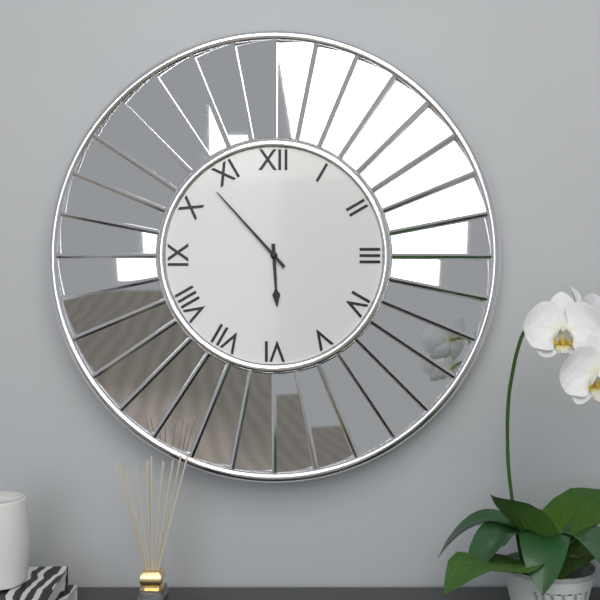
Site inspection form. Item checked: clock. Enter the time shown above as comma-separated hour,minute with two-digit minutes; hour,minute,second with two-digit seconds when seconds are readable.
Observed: 5,53
